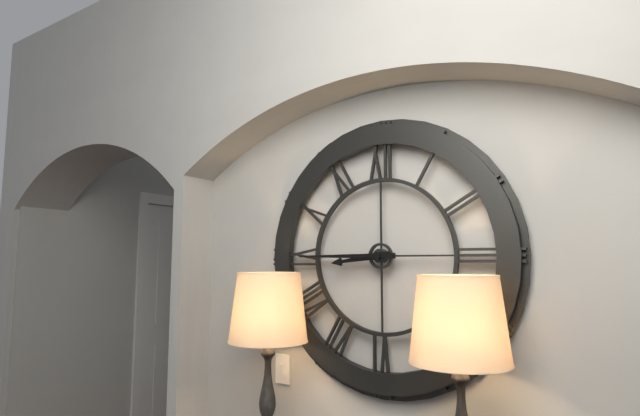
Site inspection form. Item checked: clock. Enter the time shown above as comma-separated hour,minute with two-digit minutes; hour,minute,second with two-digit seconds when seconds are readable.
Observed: 8,45
